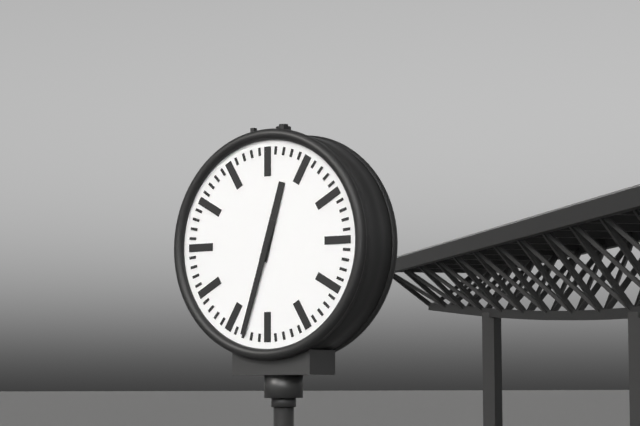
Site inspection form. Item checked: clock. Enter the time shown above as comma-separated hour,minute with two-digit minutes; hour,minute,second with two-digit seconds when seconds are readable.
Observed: 12,33
